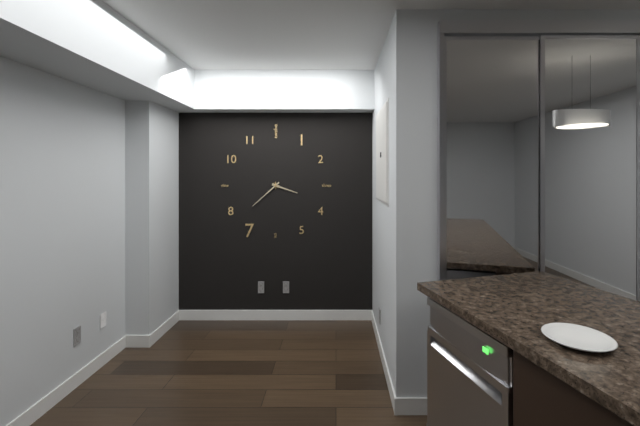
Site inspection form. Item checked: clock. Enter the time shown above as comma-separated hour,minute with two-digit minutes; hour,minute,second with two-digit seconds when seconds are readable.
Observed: 3,38
